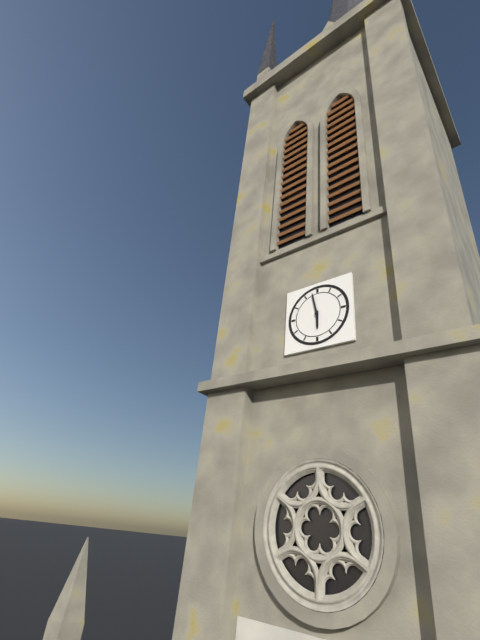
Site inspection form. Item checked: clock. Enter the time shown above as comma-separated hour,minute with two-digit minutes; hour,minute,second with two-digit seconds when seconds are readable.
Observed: 5,58
